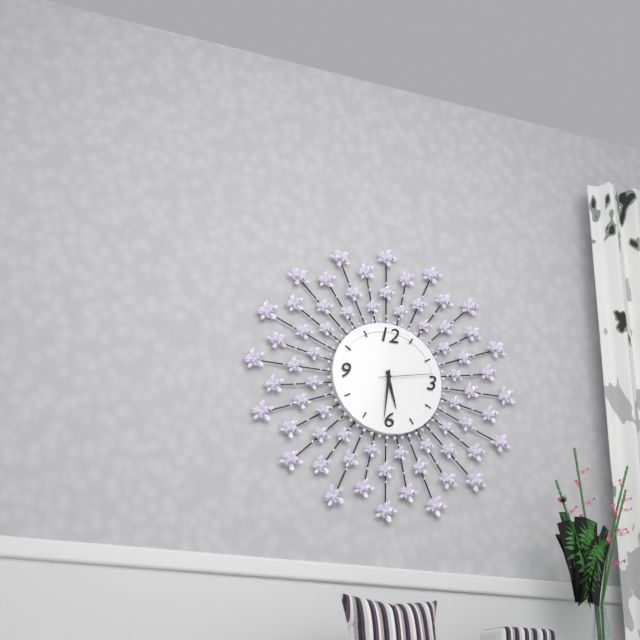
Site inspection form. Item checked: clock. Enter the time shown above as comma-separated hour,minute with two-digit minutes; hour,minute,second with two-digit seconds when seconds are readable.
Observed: 5,31,13
